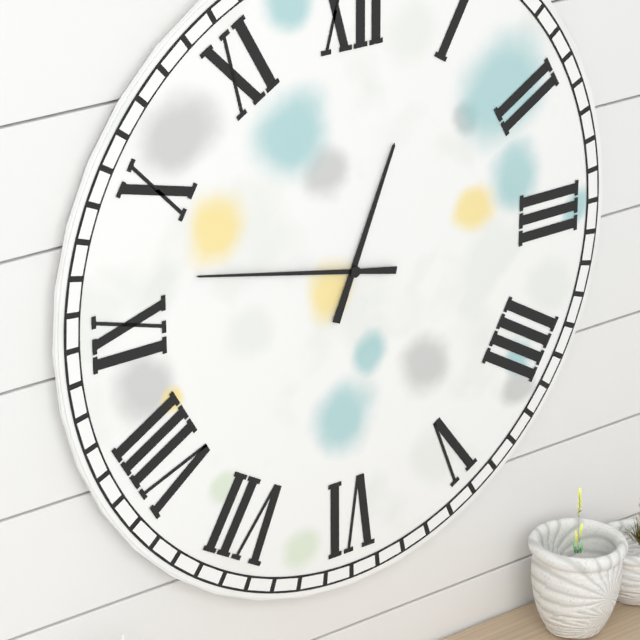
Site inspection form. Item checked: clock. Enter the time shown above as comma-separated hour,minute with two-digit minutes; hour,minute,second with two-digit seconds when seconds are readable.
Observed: 12,47
